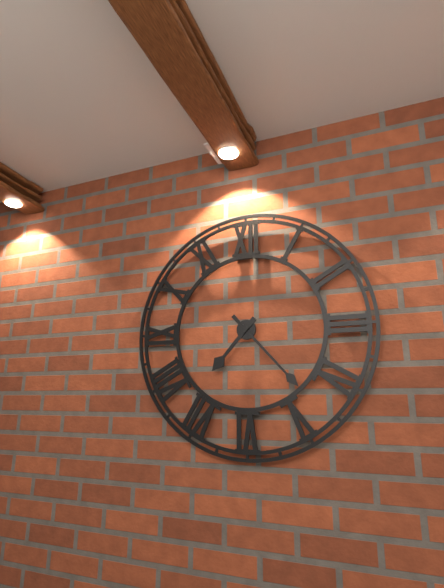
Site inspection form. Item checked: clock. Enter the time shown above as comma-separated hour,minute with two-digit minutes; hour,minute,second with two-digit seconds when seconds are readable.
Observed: 7,23
